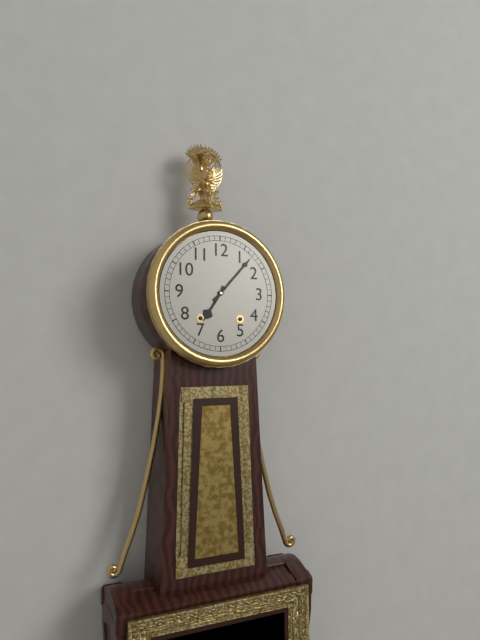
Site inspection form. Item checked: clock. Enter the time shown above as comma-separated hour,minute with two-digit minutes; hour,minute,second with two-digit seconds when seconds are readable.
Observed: 7,07
